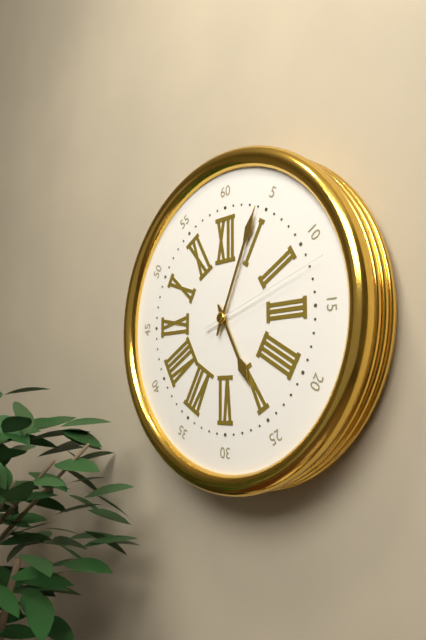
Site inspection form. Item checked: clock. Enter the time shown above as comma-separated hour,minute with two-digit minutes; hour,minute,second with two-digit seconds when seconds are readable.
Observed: 5,04,12
